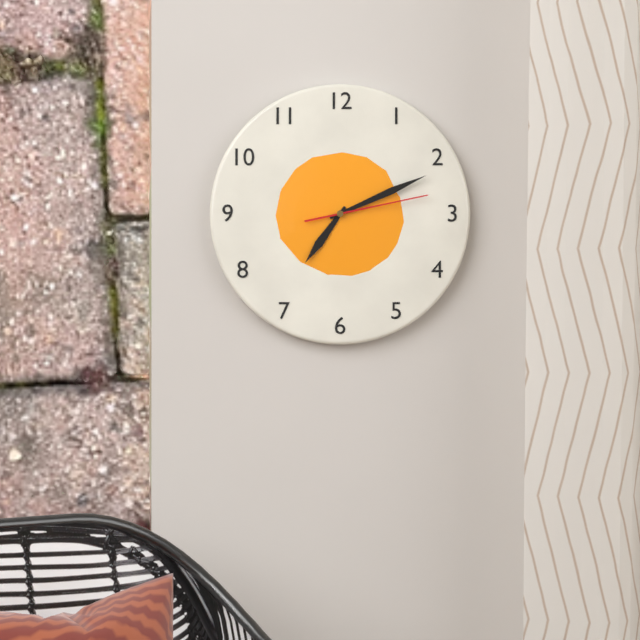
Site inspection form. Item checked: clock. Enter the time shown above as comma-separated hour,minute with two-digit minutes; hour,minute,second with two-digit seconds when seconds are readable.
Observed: 7,11,13
